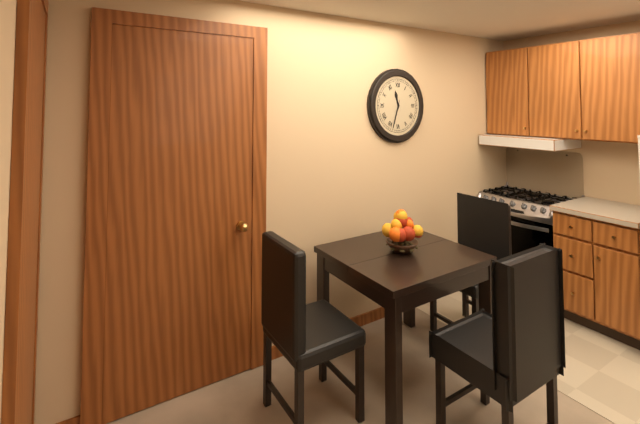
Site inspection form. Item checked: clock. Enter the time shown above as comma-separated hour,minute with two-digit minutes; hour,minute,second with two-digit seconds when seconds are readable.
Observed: 11,33
